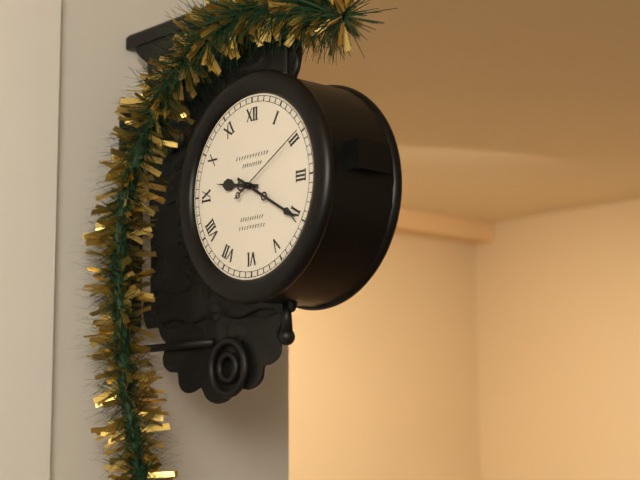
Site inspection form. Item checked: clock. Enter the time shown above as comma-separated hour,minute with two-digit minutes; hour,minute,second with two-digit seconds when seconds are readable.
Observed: 9,20,10
